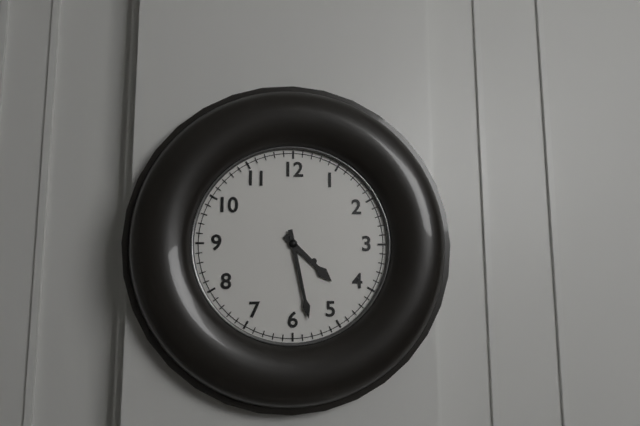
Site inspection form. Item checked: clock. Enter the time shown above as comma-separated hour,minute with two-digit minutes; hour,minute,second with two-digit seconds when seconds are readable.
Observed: 4,28
